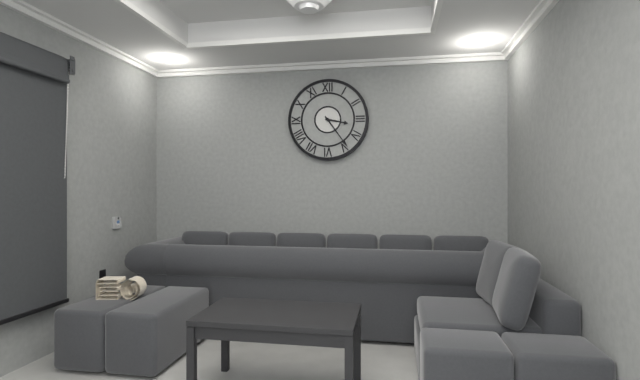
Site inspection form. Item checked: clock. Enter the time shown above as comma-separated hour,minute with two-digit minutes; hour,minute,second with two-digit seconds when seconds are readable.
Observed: 3,24
